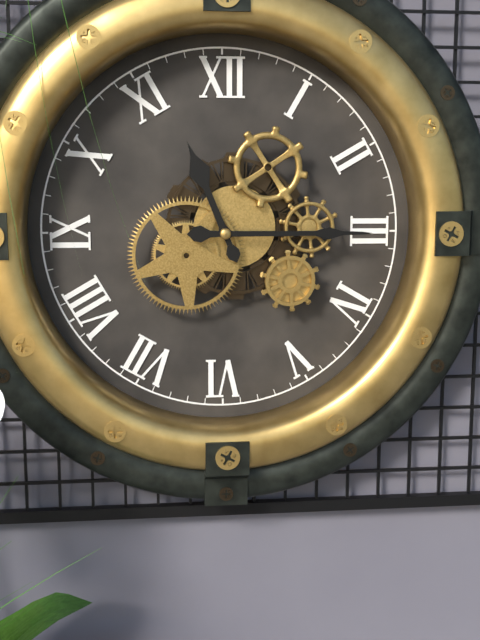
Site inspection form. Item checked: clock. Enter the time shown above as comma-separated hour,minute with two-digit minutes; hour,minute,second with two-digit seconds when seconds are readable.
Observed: 11,15
